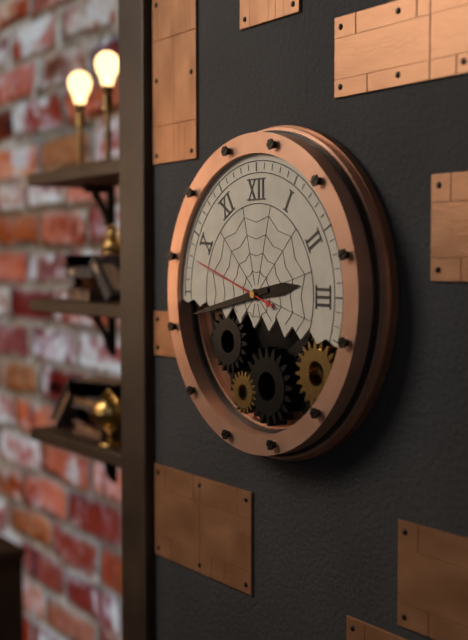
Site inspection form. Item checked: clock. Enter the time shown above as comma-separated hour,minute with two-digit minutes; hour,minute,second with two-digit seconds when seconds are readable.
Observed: 2,43,48
